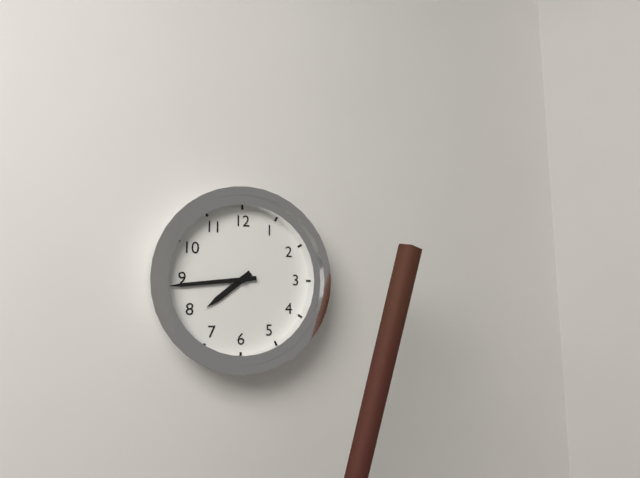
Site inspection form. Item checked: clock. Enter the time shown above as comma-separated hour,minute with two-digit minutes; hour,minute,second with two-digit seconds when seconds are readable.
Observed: 7,44
